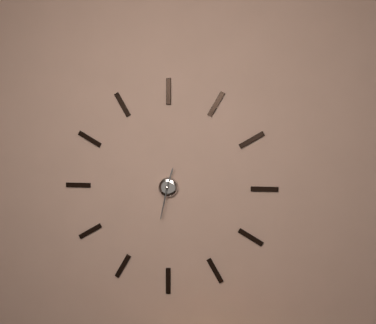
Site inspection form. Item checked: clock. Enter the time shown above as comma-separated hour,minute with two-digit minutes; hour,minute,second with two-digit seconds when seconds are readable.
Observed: 12,32
